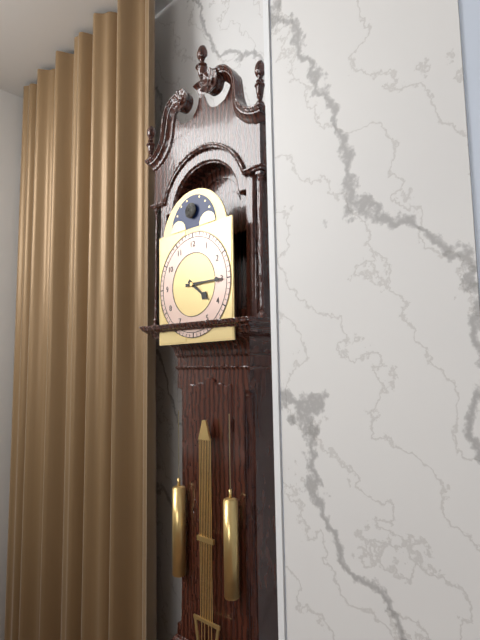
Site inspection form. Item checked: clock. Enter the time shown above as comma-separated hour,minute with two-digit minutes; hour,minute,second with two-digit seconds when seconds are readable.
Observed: 4,15
